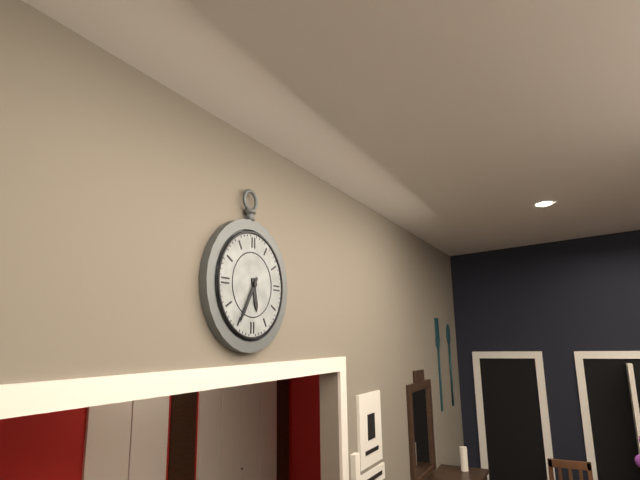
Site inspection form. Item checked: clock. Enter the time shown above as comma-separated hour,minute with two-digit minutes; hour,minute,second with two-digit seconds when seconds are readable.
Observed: 5,35
